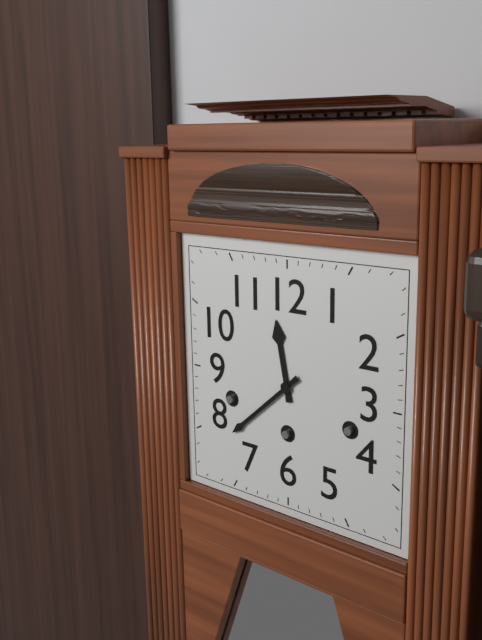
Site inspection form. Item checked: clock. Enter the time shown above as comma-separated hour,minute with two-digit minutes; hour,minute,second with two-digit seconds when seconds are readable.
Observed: 11,38
